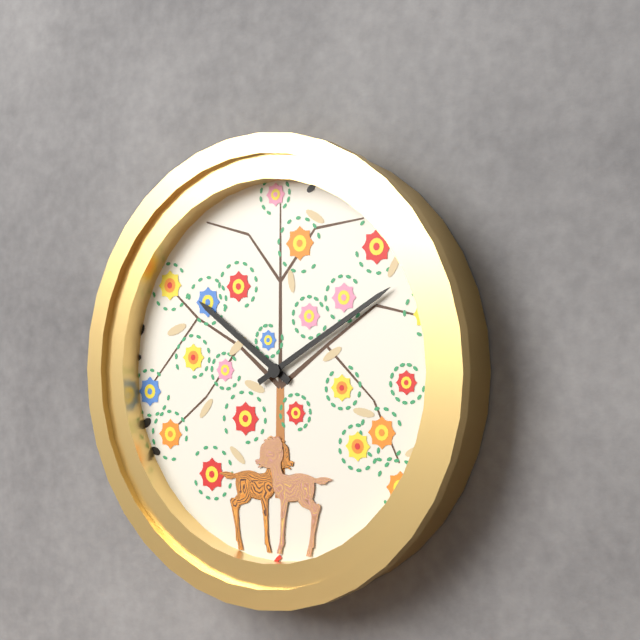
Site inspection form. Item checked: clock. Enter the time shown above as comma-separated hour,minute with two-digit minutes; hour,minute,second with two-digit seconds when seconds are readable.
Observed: 10,10
